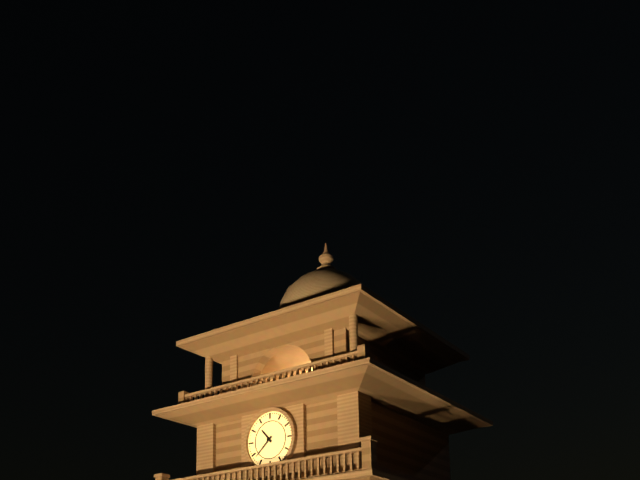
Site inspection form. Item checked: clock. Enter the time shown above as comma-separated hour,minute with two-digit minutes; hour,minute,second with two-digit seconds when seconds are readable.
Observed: 10,38
